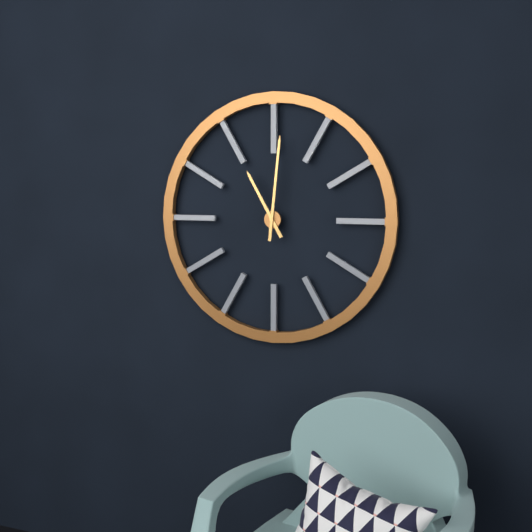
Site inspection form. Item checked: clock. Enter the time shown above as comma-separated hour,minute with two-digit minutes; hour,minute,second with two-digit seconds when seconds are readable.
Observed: 11,01
